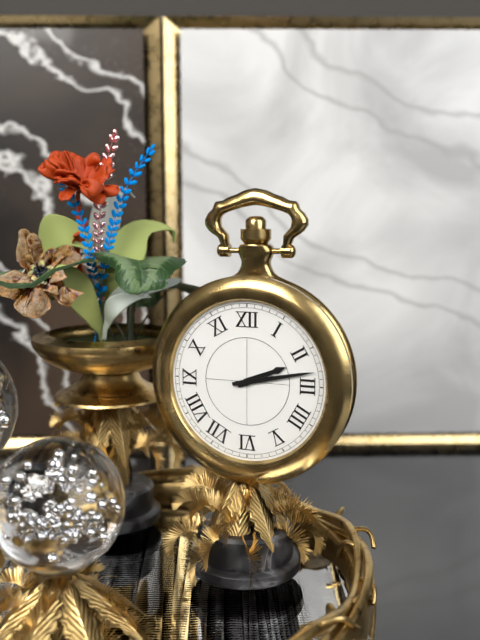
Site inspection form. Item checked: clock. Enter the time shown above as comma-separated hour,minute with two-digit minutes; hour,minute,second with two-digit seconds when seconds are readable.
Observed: 2,13
